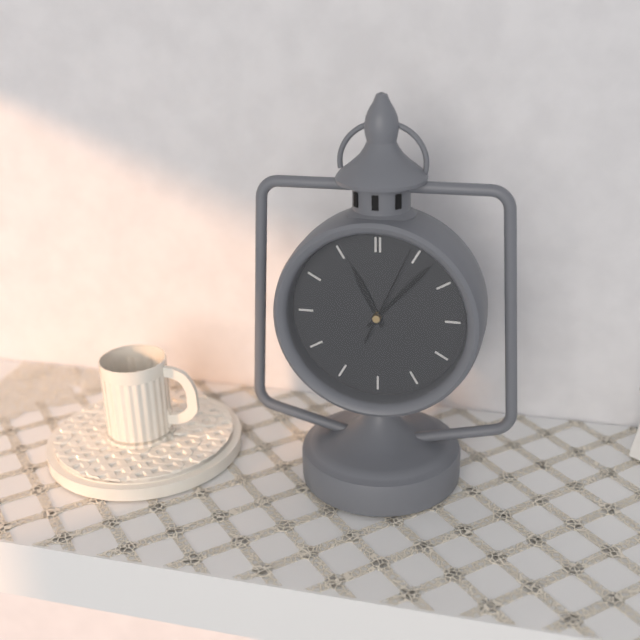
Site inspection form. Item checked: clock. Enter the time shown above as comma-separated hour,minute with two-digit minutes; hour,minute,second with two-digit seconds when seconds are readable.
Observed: 11,07,04
